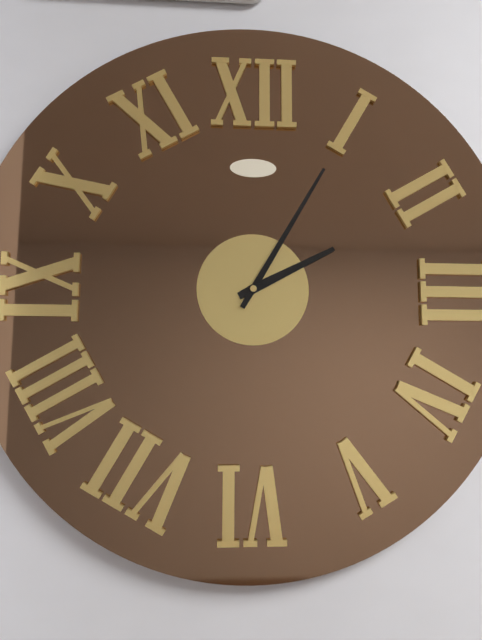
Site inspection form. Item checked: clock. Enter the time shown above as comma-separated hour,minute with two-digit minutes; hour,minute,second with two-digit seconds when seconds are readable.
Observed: 2,05
